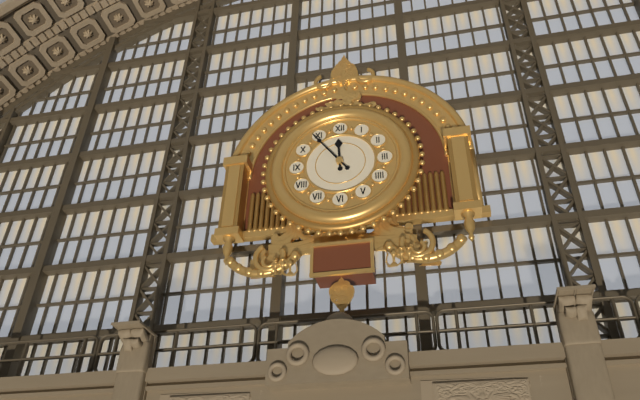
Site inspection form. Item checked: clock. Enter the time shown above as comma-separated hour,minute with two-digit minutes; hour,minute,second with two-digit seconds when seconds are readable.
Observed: 11,54
